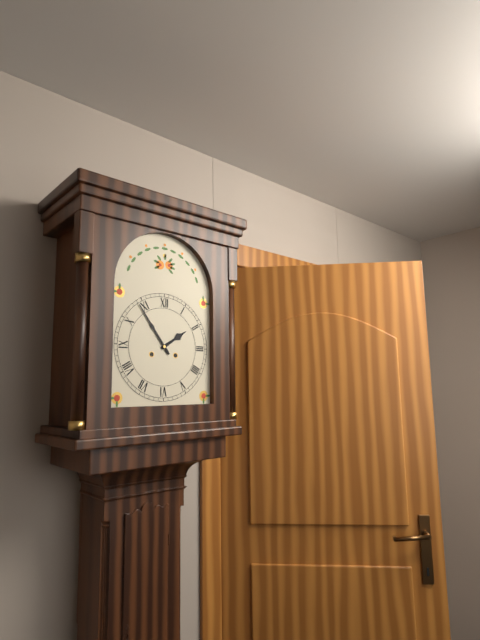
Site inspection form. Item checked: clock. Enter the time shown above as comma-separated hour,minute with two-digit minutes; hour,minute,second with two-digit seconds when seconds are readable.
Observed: 1,54
